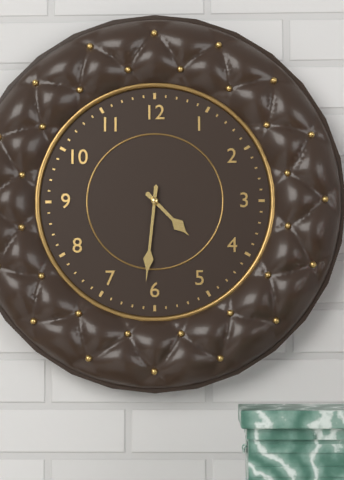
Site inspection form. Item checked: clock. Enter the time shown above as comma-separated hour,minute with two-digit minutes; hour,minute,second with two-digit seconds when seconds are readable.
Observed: 4,31
